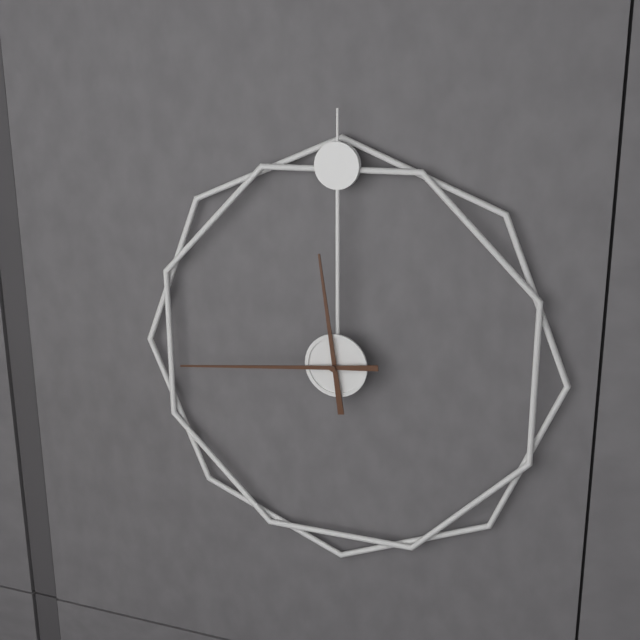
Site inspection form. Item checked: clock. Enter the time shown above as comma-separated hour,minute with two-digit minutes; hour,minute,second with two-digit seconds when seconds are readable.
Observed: 11,44
